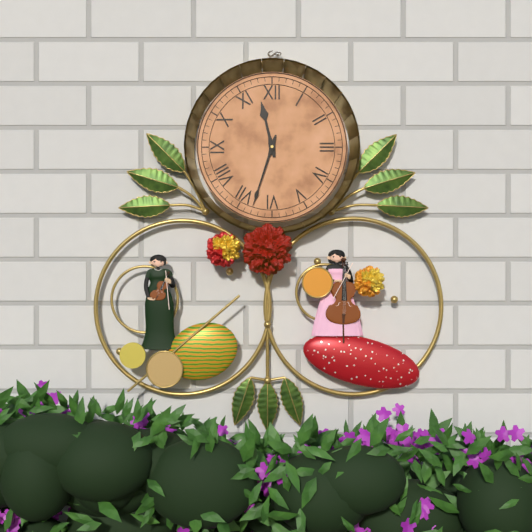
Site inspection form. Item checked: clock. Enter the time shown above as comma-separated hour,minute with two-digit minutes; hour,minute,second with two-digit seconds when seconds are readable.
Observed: 11,33
